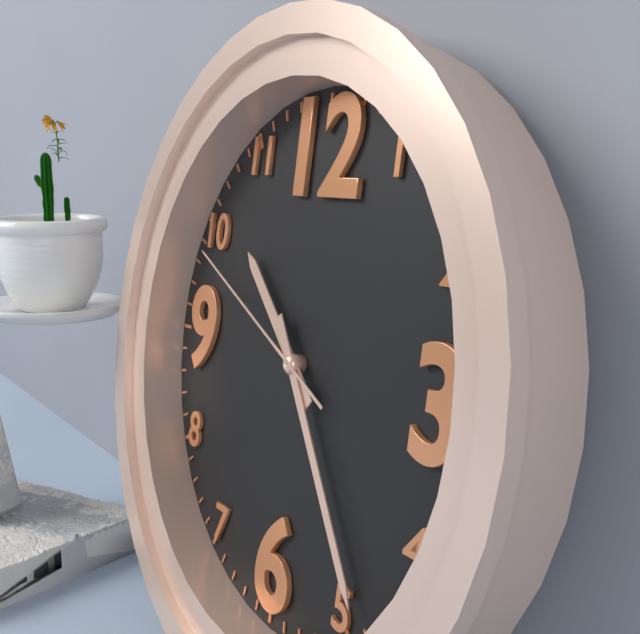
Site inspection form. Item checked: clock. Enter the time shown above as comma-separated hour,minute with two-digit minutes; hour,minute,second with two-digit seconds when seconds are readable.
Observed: 10,24,49
